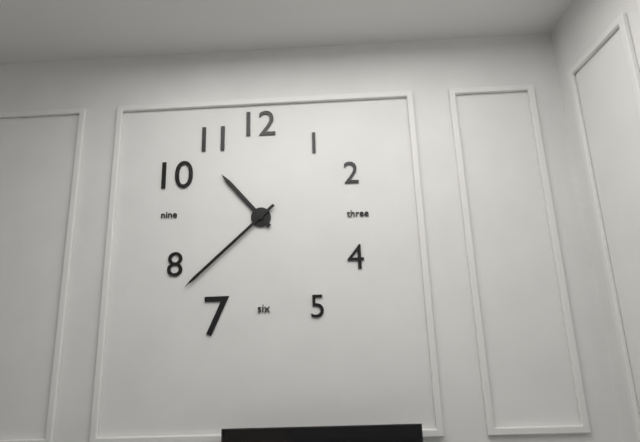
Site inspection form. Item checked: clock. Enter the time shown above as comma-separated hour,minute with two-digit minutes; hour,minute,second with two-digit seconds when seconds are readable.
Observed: 10,38
